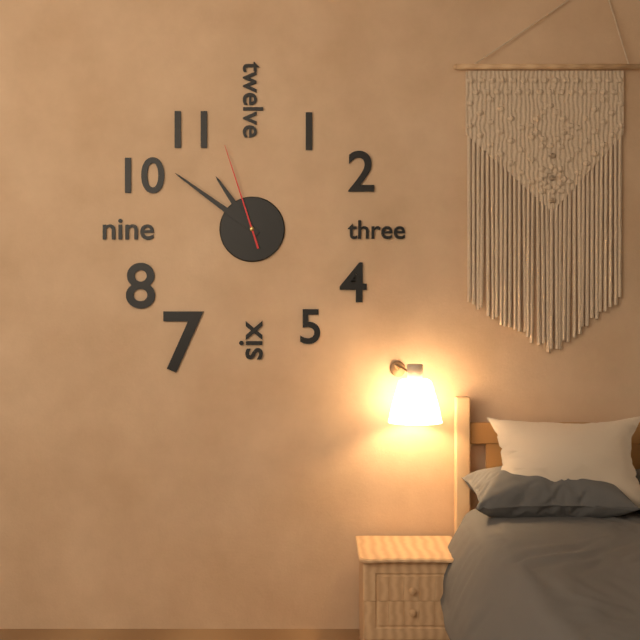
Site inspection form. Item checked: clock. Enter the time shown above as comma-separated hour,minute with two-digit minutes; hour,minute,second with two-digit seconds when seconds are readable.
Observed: 10,51,57
